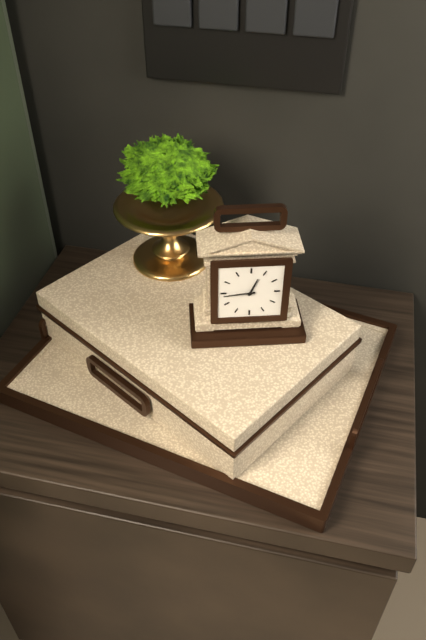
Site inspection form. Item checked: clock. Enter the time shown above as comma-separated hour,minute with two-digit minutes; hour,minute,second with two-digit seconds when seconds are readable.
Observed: 12,44
